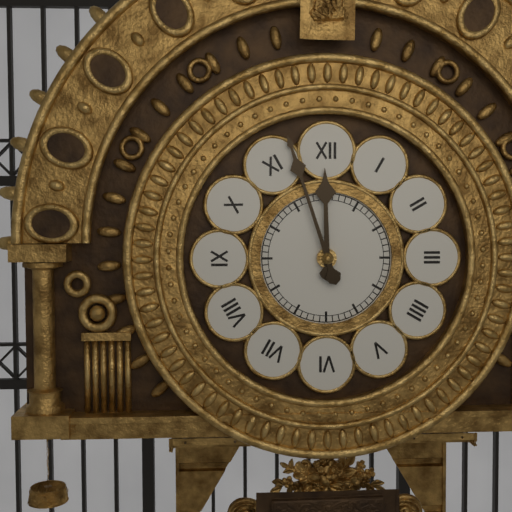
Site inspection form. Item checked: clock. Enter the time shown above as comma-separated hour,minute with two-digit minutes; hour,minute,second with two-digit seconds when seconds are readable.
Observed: 11,57
